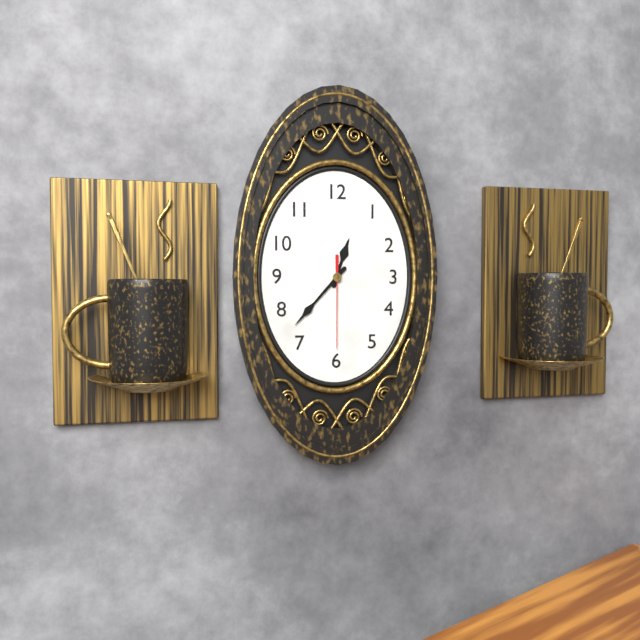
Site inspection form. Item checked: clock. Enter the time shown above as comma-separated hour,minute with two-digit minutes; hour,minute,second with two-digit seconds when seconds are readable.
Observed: 12,37,30
